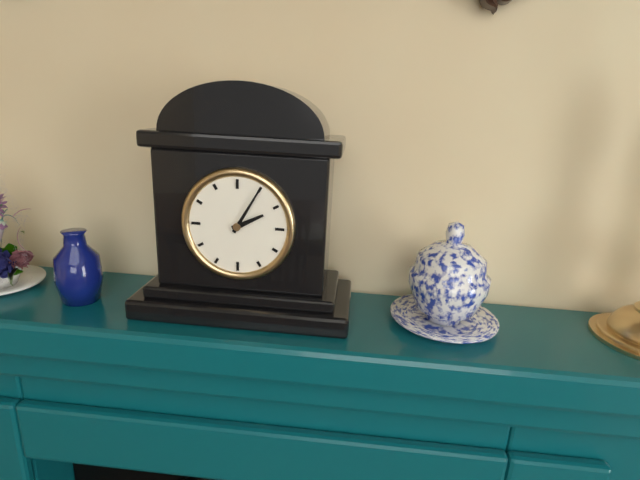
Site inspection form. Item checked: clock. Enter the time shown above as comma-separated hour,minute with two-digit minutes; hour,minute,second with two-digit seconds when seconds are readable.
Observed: 2,05
